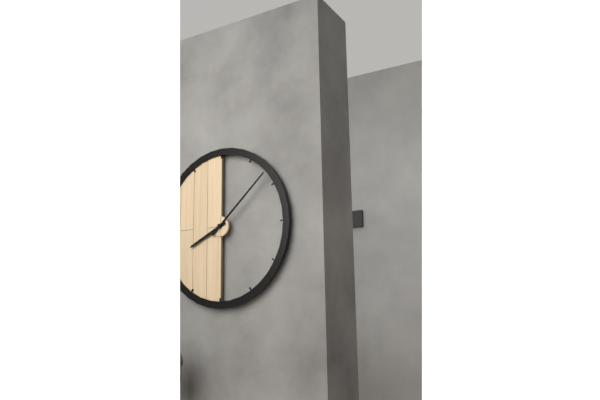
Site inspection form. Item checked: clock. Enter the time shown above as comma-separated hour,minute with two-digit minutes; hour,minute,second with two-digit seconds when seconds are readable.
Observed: 8,08
